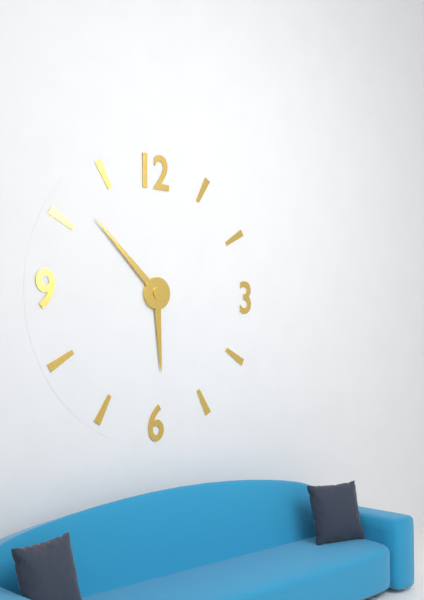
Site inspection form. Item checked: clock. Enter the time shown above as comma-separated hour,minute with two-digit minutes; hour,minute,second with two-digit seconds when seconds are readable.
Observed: 5,52
